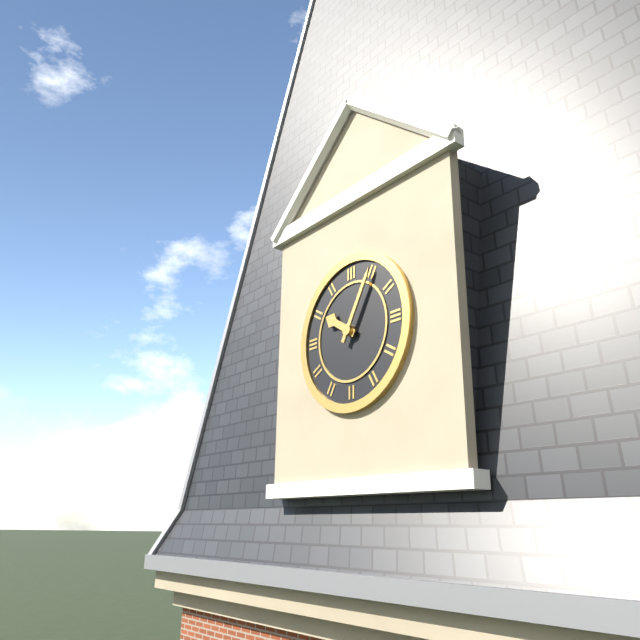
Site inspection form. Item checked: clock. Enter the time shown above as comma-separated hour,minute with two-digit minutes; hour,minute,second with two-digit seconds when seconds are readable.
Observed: 10,05
